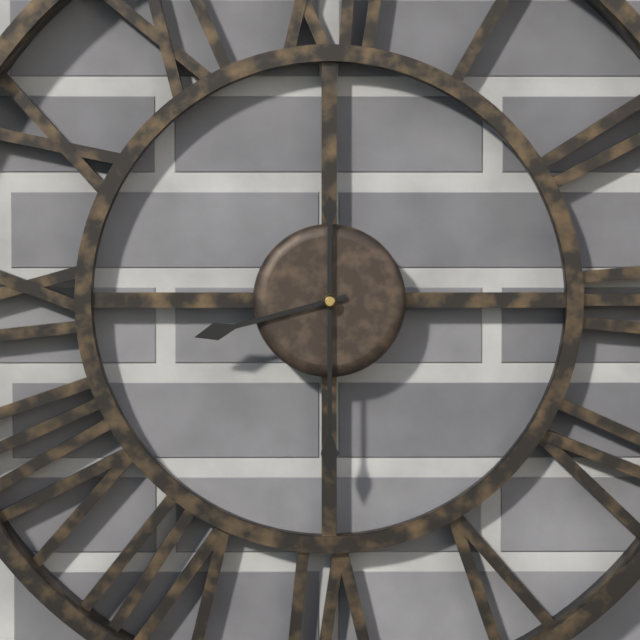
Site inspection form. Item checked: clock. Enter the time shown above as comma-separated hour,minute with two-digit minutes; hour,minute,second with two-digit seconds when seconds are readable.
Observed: 8,30
